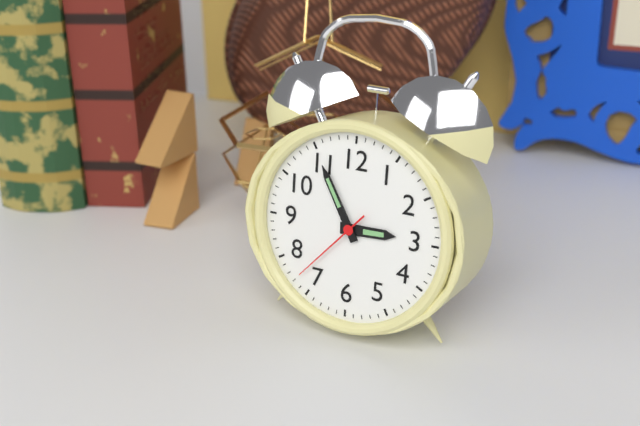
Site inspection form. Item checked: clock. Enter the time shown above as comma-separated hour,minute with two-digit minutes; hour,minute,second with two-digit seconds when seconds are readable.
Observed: 2,55,37
